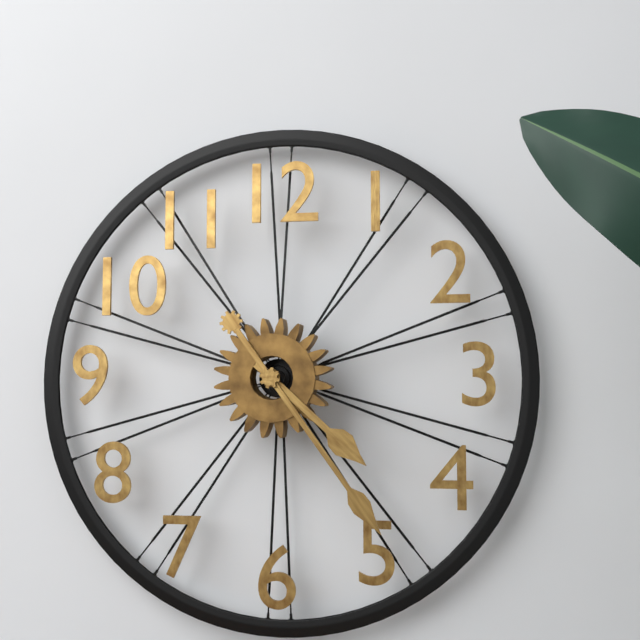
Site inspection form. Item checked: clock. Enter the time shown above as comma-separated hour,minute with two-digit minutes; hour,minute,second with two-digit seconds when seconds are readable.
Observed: 4,24
